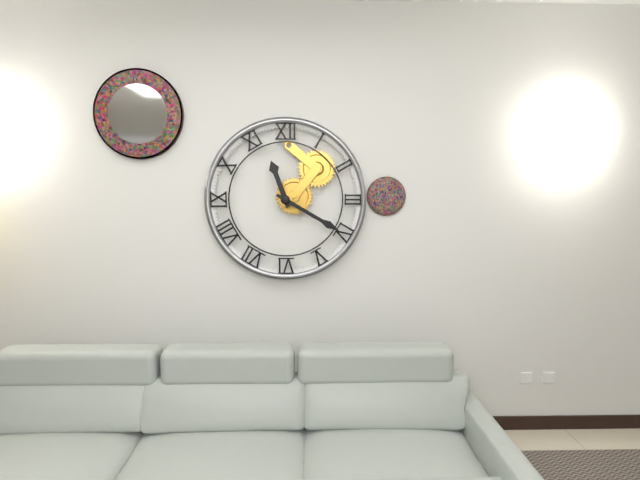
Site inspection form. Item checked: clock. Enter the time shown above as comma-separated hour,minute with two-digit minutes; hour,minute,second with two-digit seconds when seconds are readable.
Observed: 11,20
